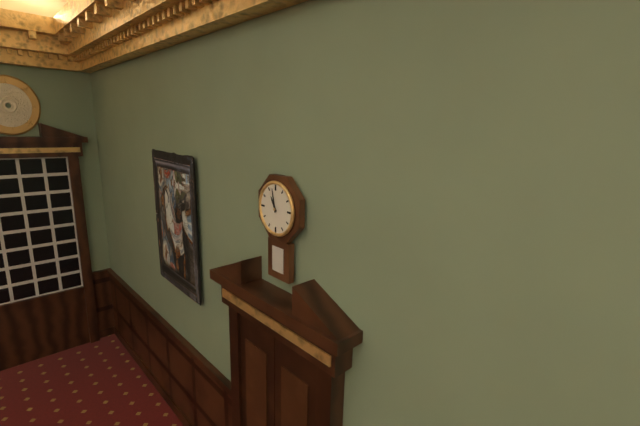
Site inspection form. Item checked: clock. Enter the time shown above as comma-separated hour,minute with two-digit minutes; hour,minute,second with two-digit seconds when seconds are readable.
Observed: 10,58
